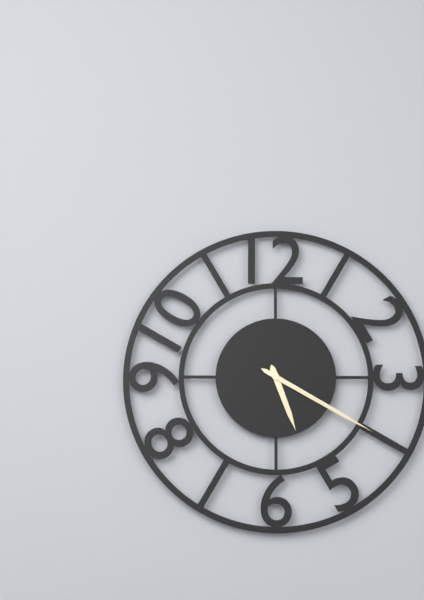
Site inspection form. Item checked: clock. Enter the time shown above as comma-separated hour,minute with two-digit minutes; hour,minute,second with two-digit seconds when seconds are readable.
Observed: 5,20
